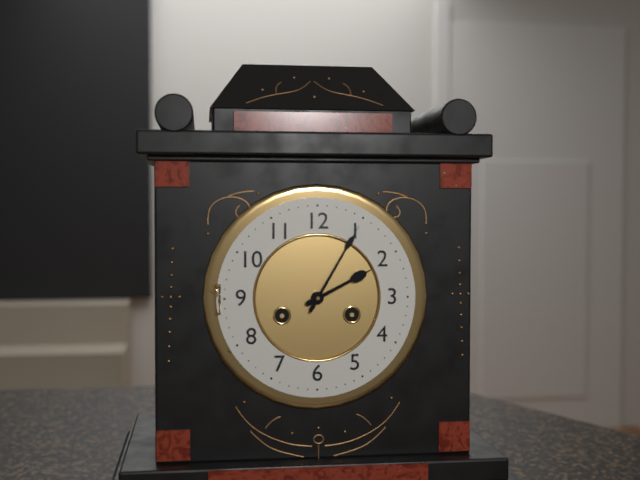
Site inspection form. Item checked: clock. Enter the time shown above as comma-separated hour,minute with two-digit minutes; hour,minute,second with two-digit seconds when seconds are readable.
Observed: 2,05
